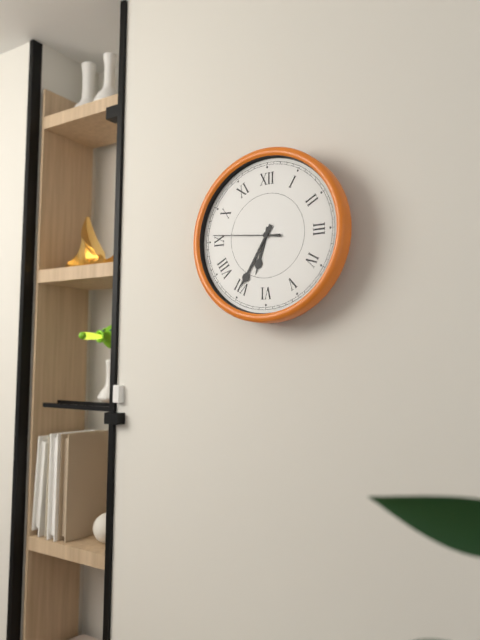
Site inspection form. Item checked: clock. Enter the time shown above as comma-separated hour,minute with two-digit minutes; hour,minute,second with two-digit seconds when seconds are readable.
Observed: 6,35,46
